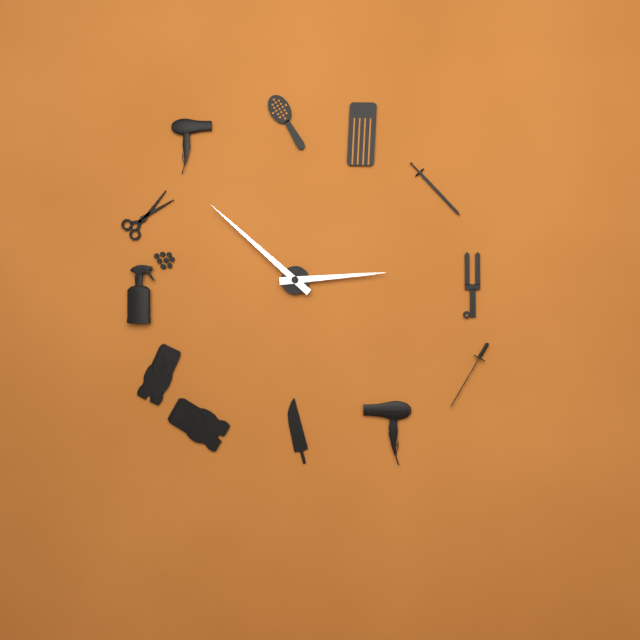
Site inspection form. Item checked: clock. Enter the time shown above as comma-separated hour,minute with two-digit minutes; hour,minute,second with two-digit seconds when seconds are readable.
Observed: 2,52
